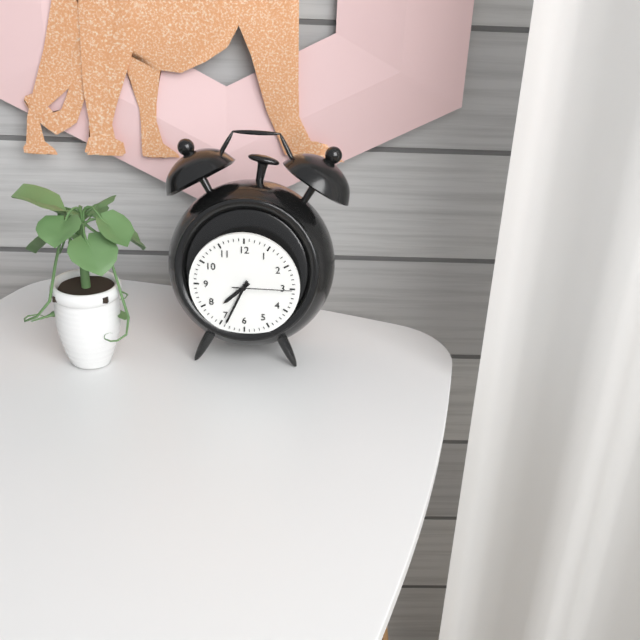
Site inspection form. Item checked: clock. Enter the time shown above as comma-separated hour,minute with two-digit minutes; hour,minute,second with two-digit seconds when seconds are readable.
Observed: 7,34,15
